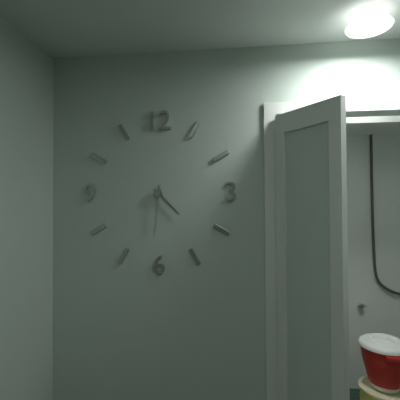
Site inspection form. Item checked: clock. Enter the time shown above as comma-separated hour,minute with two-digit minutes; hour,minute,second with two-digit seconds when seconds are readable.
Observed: 4,31
